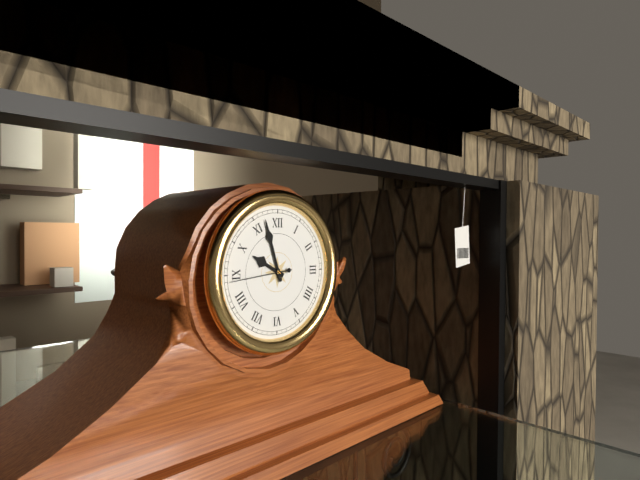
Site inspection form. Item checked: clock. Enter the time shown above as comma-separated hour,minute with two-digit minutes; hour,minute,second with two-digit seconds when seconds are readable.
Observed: 9,57,44
